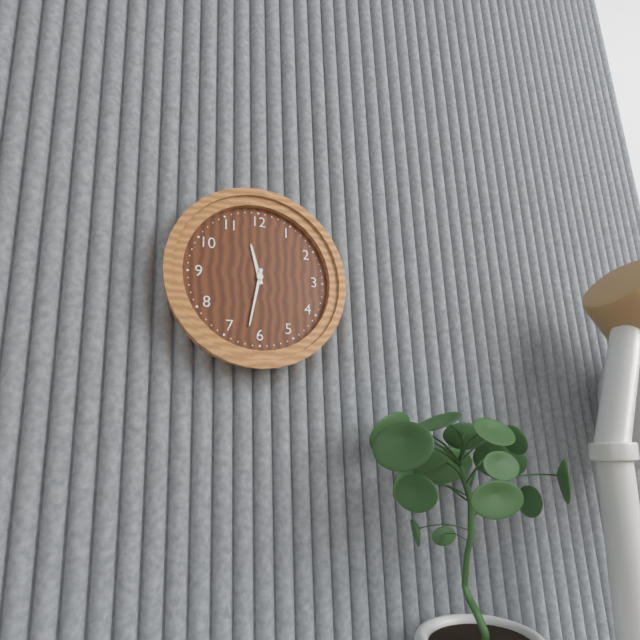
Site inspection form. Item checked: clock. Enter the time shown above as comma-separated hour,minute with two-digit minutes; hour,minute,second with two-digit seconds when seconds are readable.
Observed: 11,32
